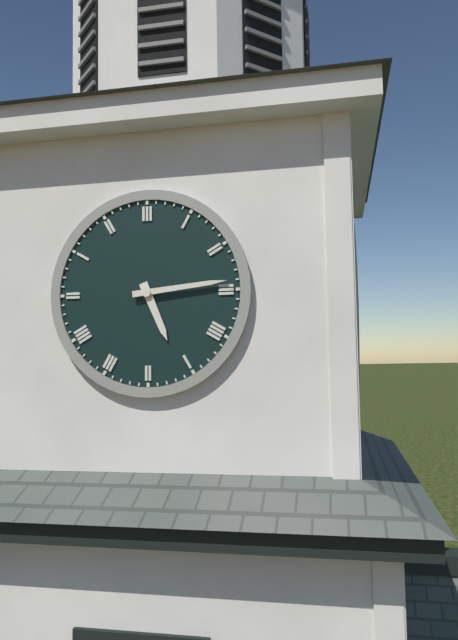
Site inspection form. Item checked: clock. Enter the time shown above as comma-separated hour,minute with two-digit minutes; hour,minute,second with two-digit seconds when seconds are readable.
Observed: 5,14
